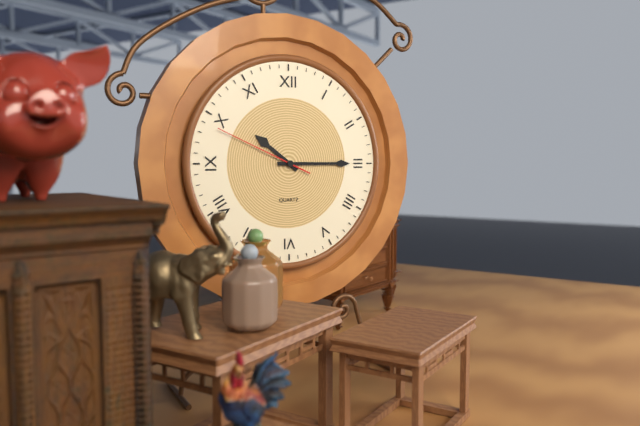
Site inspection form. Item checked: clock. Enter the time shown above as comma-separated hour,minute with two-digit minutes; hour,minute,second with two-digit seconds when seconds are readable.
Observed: 10,15,49
